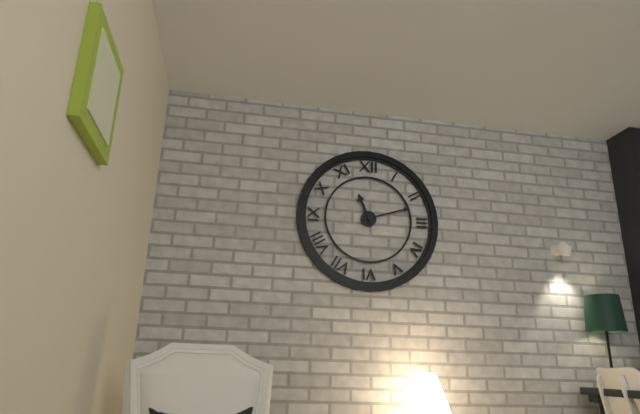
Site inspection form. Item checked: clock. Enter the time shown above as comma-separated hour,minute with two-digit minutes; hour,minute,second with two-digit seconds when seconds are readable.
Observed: 11,12
